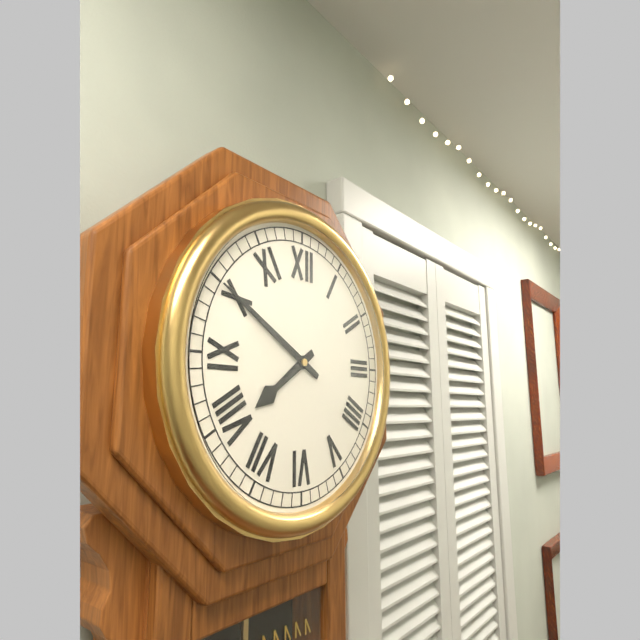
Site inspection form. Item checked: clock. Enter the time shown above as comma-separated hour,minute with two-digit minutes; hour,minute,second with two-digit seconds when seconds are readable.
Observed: 7,50
